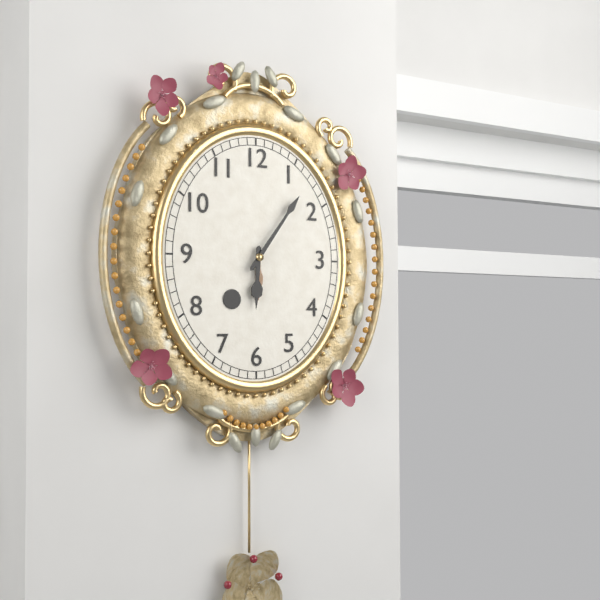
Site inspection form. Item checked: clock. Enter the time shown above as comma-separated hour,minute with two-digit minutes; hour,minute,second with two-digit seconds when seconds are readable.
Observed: 6,06
